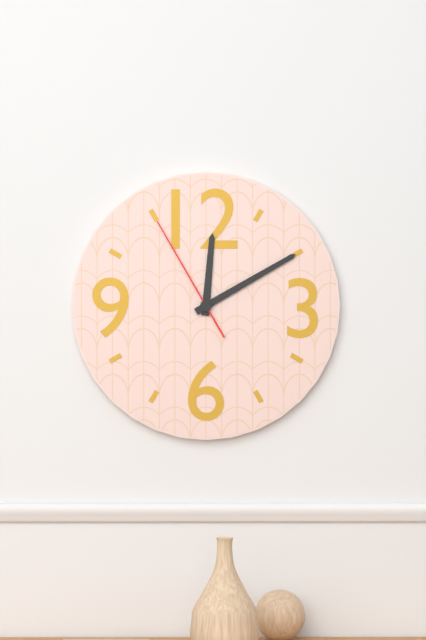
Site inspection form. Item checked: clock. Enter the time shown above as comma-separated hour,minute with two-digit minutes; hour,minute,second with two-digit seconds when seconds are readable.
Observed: 12,10,55
